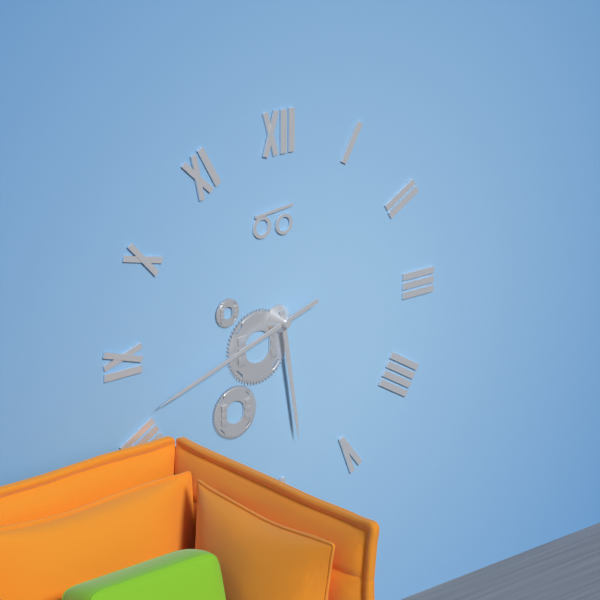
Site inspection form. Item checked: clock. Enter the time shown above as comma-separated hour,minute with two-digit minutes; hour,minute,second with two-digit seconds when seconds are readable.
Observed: 5,42
